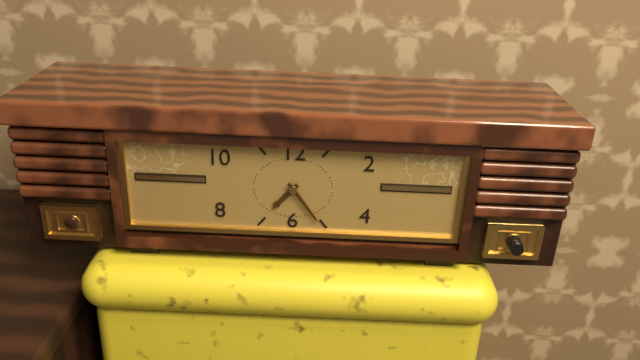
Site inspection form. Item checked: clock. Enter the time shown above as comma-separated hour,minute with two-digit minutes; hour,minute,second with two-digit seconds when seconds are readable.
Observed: 7,24
